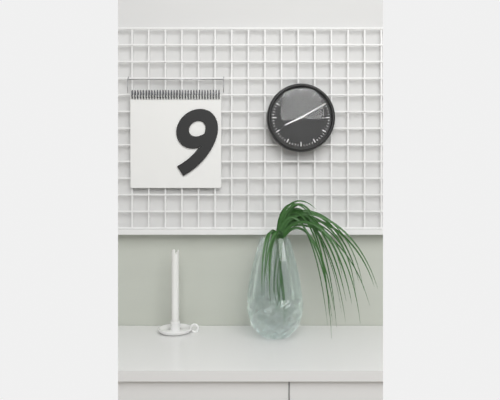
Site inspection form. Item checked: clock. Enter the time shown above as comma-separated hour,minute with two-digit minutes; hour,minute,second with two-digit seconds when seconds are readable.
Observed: 8,10
